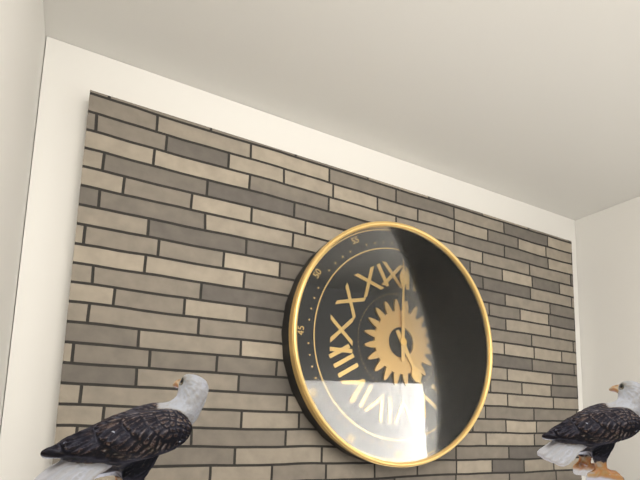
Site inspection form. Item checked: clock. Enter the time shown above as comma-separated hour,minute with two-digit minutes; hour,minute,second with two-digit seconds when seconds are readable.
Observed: 5,00
